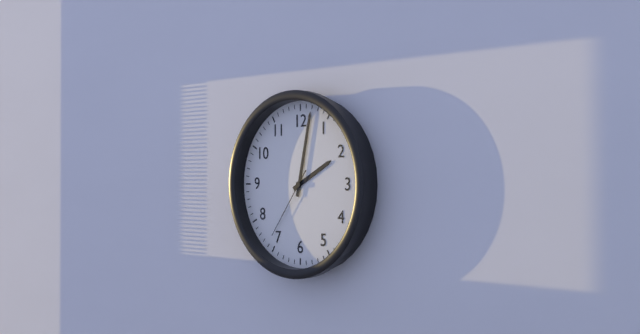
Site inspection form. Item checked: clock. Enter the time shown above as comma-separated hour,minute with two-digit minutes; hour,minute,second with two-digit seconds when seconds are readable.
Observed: 2,02,36
